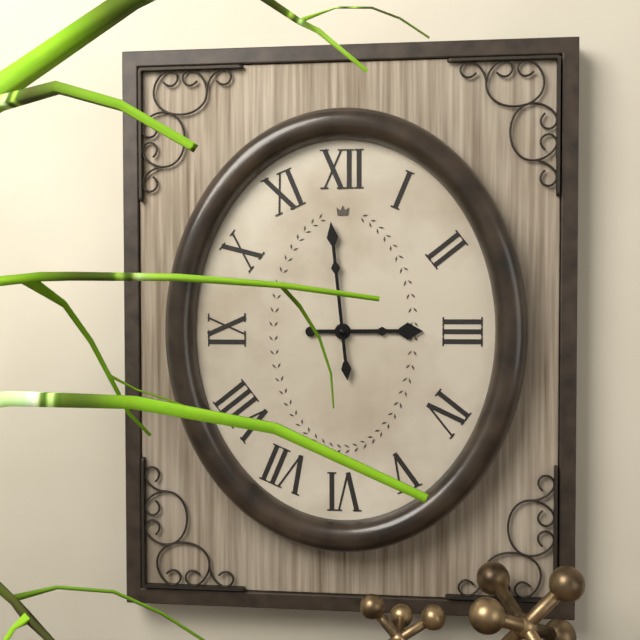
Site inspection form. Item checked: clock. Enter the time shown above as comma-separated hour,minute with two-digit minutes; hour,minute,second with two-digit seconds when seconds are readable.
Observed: 2,59
